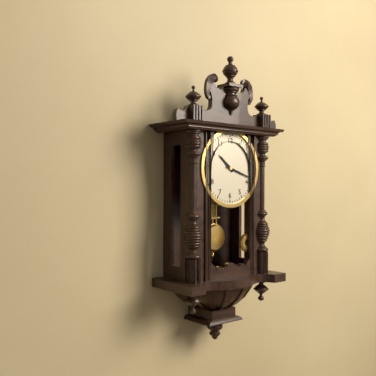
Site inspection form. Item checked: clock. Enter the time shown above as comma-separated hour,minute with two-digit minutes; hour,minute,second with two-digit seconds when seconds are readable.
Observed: 10,18
